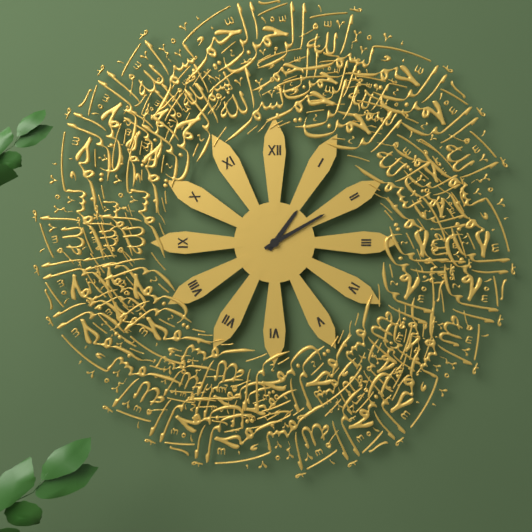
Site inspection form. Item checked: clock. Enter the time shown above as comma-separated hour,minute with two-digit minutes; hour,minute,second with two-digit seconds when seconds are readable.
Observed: 1,10
